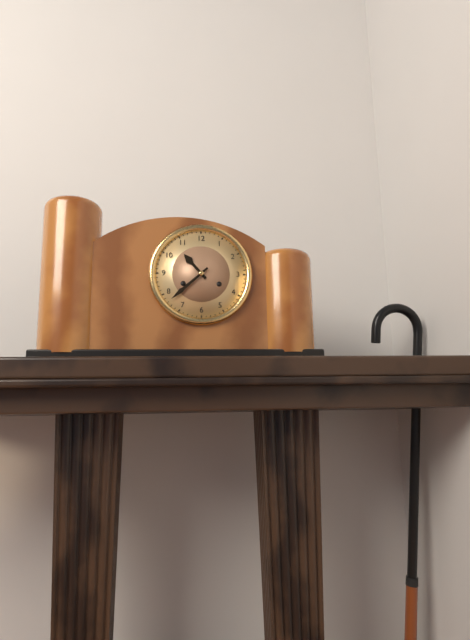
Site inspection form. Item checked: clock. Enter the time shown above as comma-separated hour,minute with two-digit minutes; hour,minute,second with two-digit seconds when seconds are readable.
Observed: 10,38
